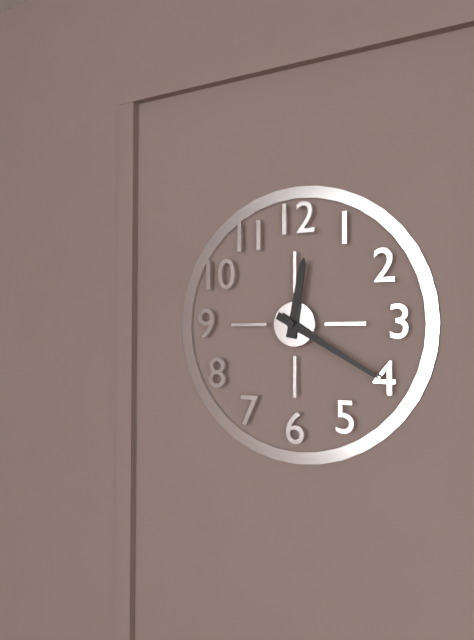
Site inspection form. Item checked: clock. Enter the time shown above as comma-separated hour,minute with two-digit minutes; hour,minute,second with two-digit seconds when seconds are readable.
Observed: 12,20
